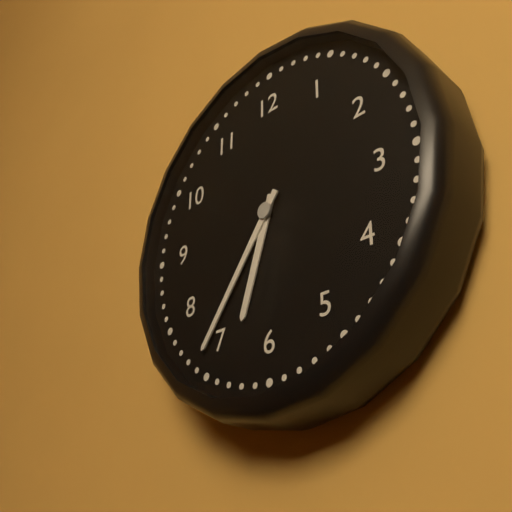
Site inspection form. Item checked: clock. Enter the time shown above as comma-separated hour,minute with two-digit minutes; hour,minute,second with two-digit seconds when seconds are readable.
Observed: 6,36
